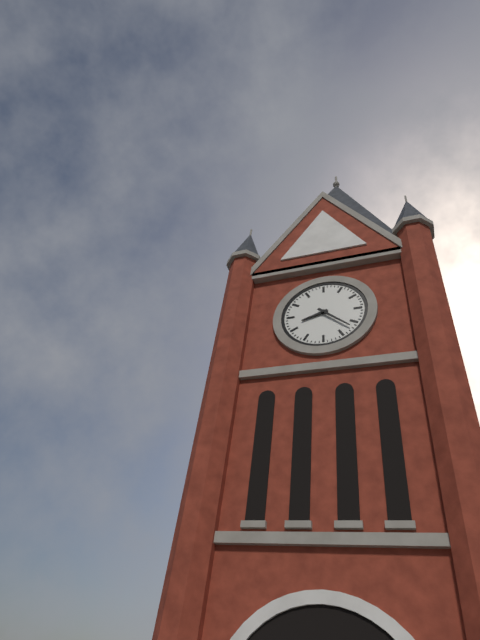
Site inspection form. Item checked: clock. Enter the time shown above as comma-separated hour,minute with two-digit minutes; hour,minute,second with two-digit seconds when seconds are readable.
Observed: 8,22
